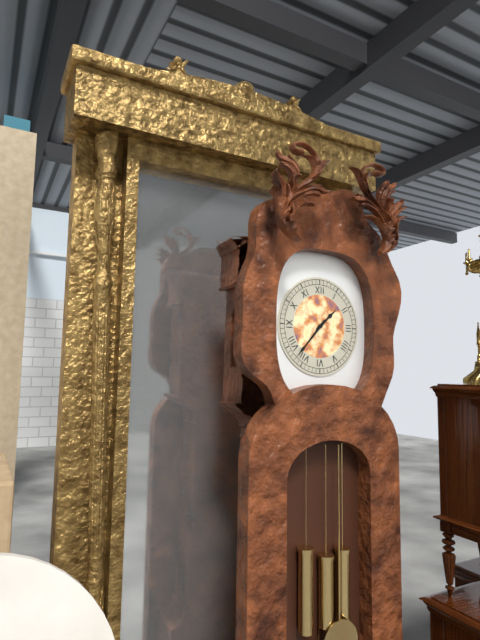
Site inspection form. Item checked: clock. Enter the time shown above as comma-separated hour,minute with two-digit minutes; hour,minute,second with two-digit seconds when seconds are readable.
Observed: 1,37
